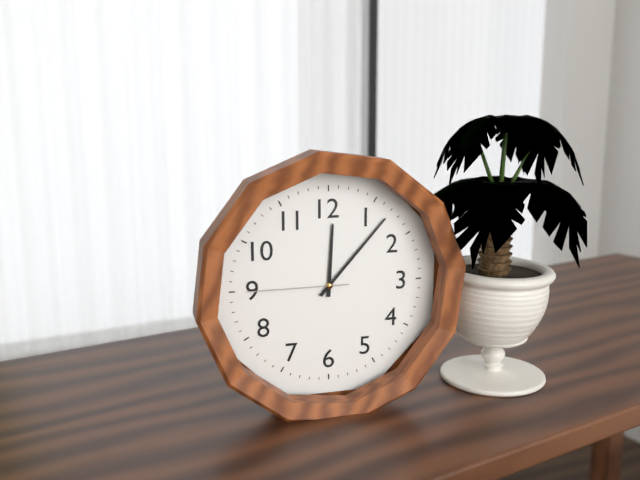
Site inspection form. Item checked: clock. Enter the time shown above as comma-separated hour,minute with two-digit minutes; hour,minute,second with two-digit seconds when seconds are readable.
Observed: 12,07,45
